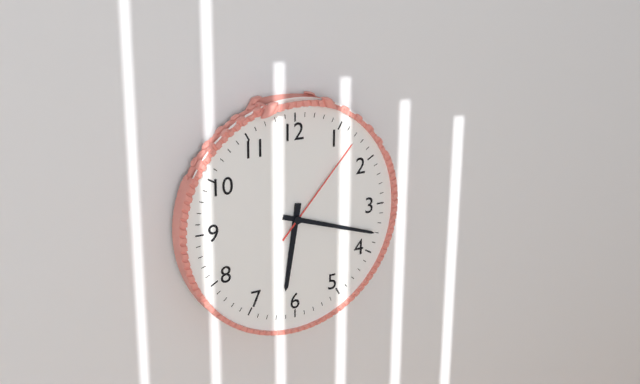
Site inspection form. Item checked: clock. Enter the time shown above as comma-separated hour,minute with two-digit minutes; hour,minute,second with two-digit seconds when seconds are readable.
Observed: 6,18,07
